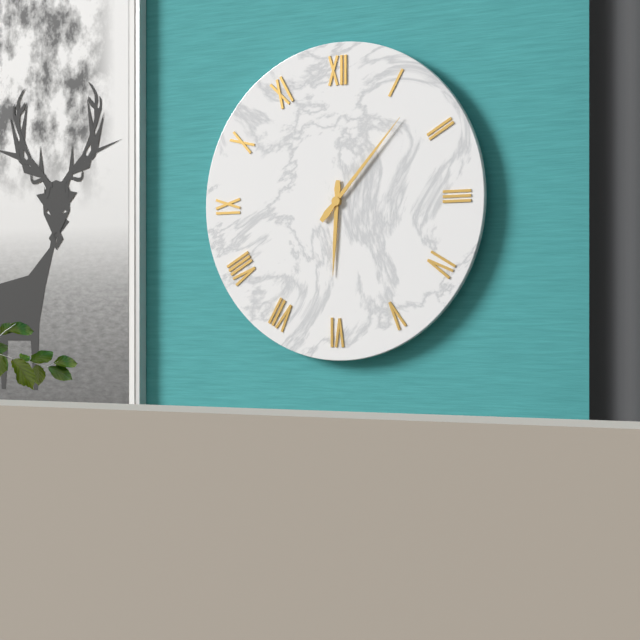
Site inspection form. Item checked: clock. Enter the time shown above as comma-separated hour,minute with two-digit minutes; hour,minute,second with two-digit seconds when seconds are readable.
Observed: 6,07
